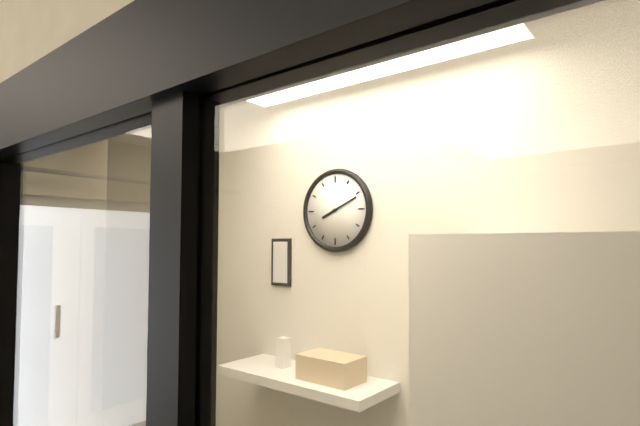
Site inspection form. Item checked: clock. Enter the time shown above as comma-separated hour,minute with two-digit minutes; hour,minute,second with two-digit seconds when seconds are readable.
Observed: 8,11
